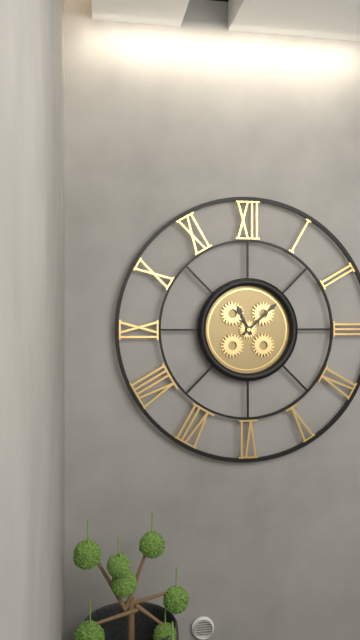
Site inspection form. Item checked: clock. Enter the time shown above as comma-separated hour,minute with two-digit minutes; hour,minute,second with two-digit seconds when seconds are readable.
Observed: 11,08
